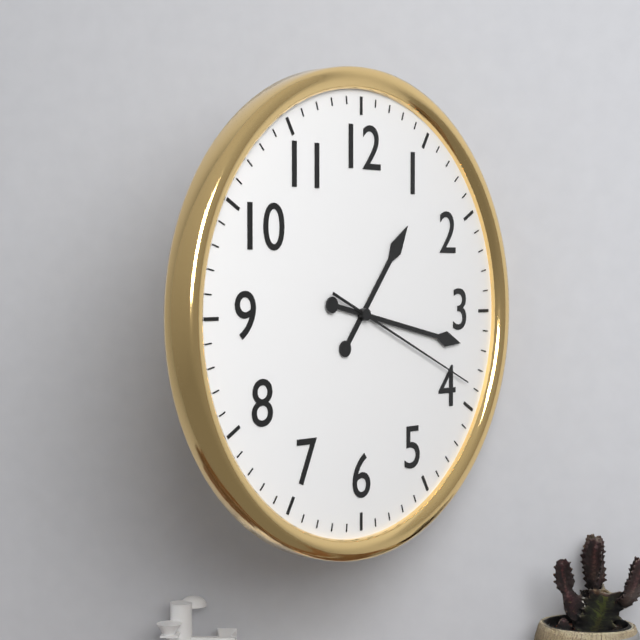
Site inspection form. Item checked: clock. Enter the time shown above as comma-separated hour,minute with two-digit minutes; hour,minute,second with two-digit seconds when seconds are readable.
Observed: 1,17,19
